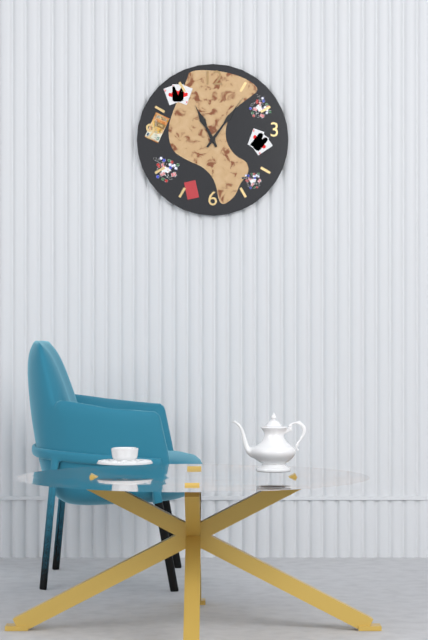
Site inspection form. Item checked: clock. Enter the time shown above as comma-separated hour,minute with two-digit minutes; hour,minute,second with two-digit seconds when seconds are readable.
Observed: 11,06
